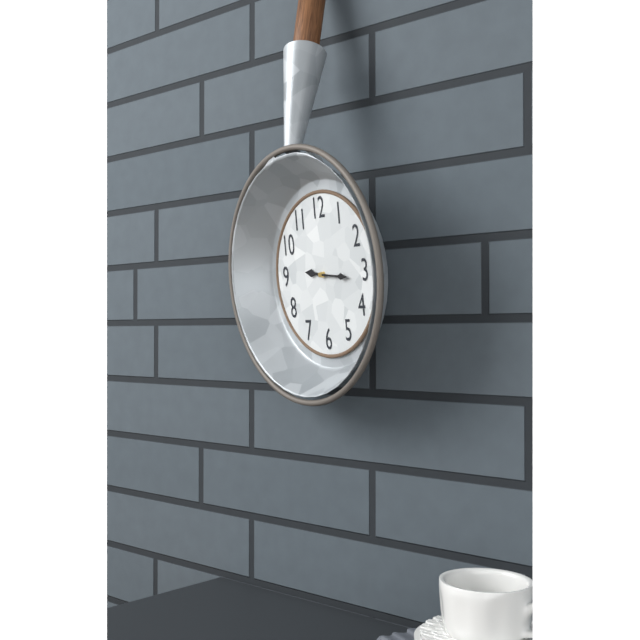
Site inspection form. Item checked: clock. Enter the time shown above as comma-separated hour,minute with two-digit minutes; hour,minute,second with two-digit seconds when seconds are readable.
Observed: 9,16
